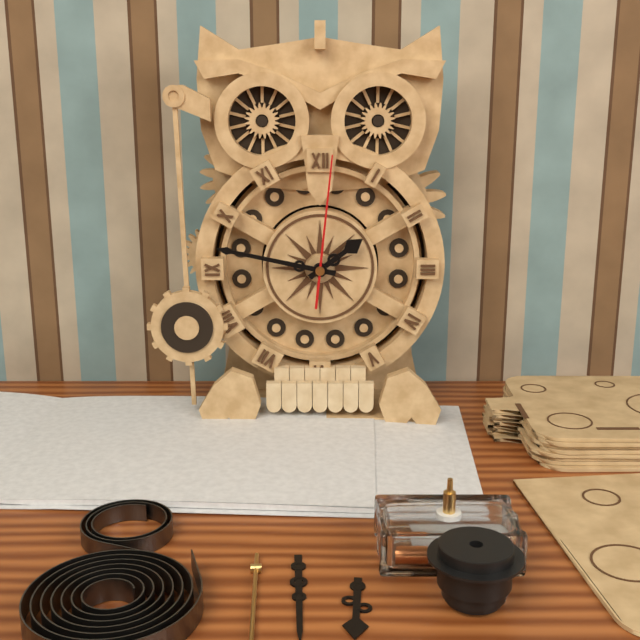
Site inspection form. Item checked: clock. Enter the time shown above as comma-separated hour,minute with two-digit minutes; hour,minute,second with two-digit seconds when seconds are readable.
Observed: 1,47,01
